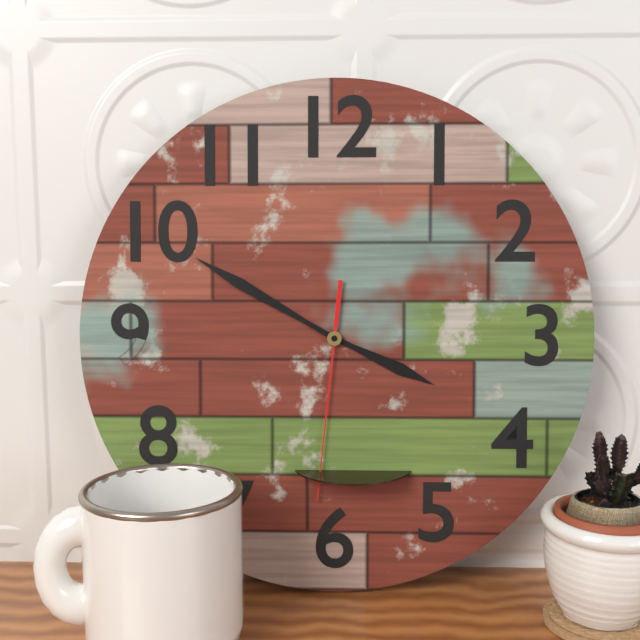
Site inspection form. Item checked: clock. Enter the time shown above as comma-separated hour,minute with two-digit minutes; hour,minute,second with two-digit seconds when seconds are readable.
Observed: 3,50,31
